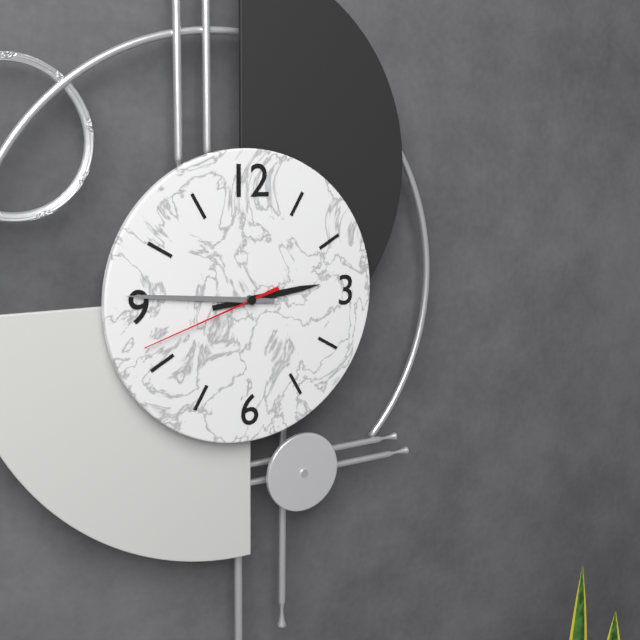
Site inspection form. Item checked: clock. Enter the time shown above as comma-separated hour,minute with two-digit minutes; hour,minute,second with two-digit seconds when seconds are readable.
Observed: 2,46,42
